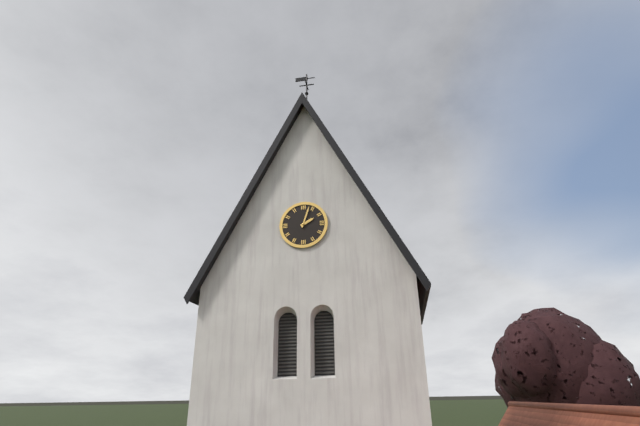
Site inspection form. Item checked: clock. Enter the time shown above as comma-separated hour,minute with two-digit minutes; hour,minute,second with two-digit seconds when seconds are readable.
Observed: 2,03
